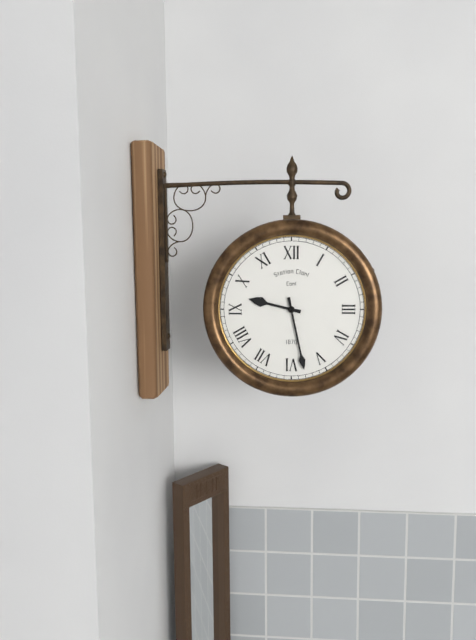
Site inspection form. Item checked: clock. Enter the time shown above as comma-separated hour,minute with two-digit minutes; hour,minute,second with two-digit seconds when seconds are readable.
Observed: 9,28
